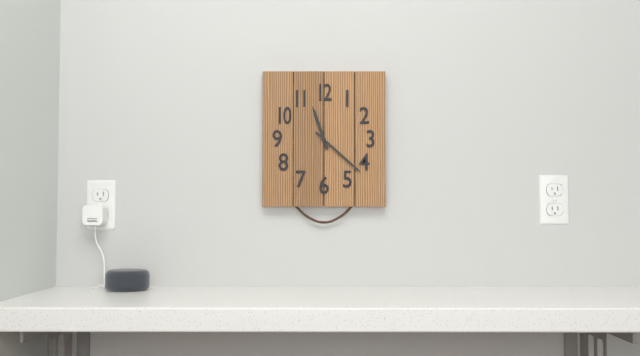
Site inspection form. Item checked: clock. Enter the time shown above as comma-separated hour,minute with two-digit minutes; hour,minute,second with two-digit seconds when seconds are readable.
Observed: 11,22
